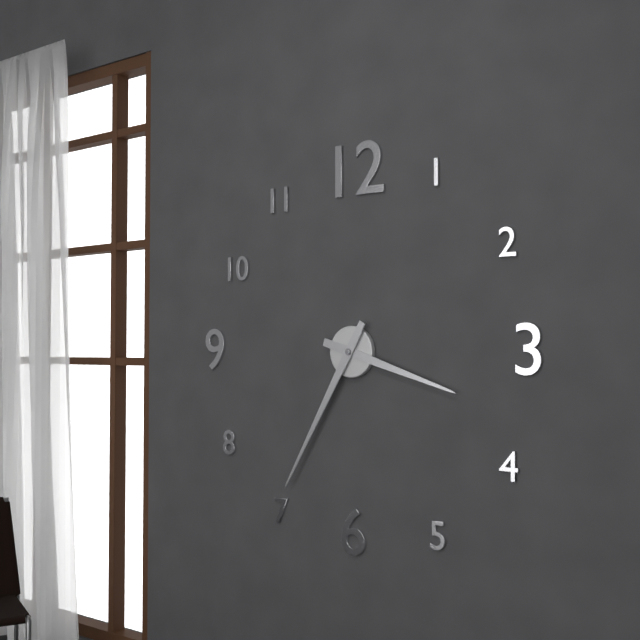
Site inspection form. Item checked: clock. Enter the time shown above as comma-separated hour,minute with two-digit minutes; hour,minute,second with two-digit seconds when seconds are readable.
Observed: 3,35
